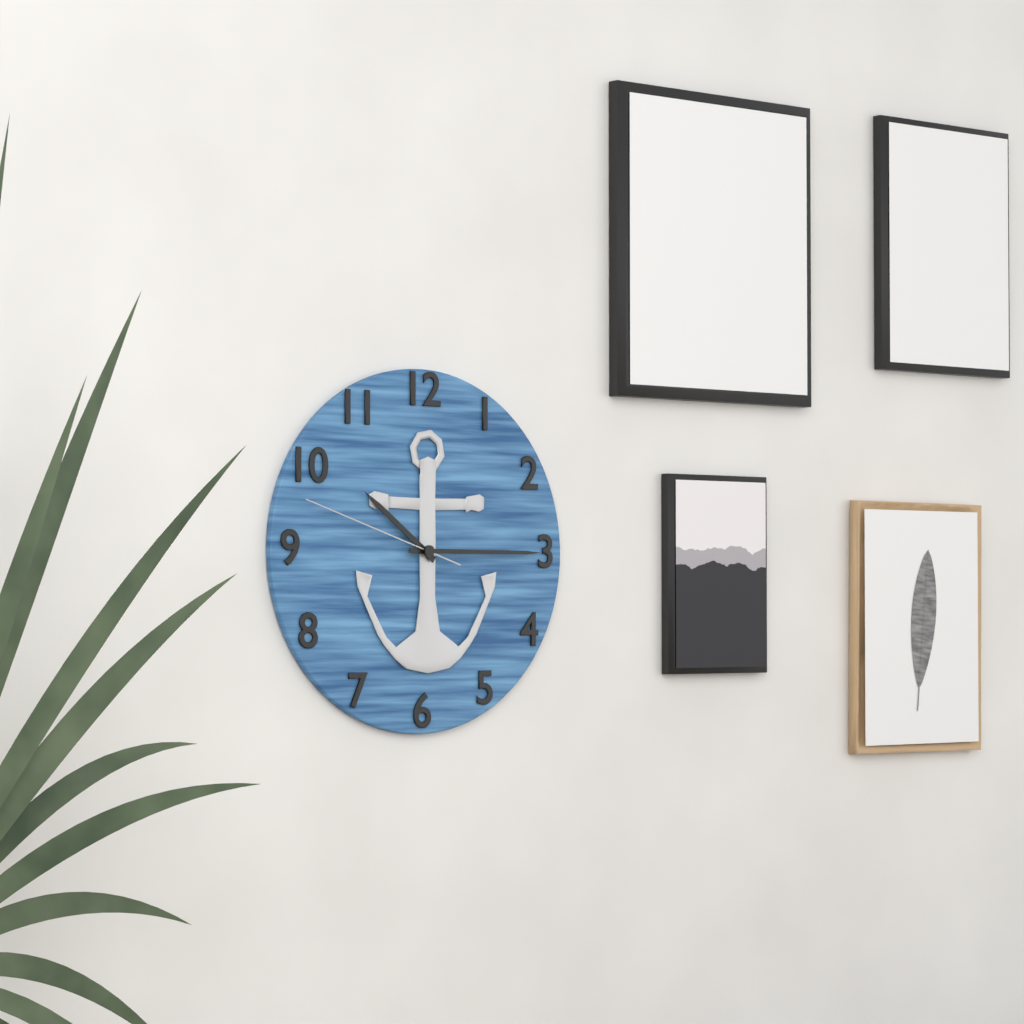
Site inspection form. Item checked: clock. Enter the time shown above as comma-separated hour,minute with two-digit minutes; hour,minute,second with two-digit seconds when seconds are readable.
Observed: 10,15,48
